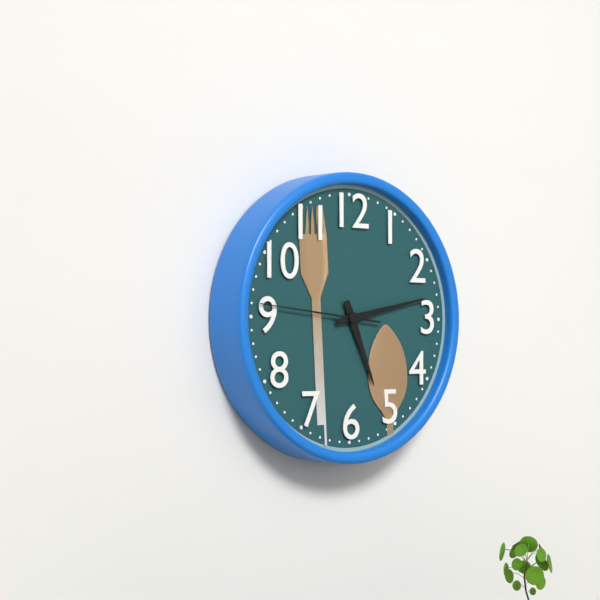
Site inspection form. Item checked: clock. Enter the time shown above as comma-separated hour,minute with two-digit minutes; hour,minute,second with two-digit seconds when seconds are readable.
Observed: 5,13,46
